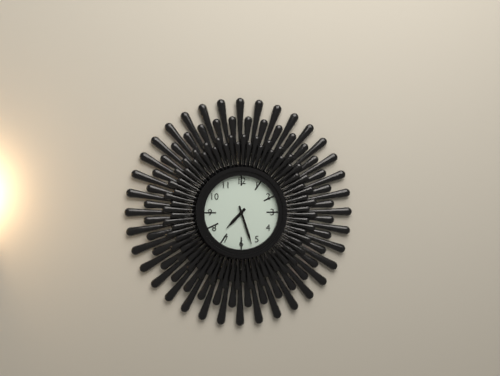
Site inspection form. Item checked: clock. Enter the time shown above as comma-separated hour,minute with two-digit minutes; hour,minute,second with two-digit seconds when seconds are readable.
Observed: 7,27
